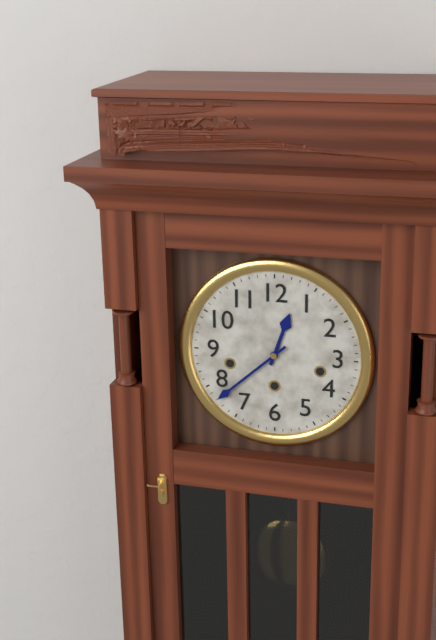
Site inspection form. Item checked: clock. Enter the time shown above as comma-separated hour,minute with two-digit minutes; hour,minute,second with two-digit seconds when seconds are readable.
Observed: 12,38
